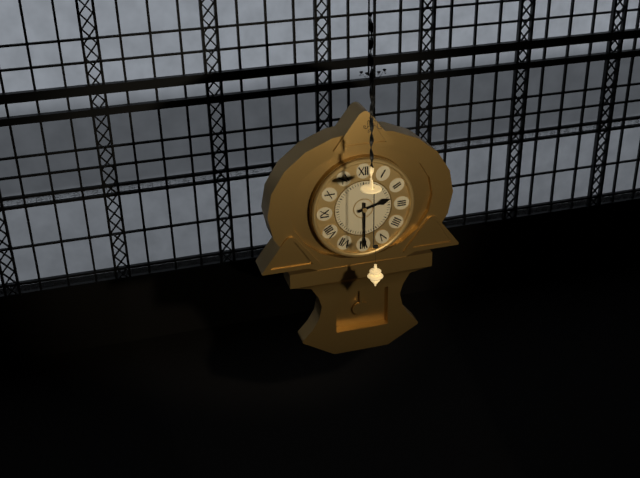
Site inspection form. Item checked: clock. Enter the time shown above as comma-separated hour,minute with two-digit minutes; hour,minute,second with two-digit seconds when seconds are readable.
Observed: 2,30
